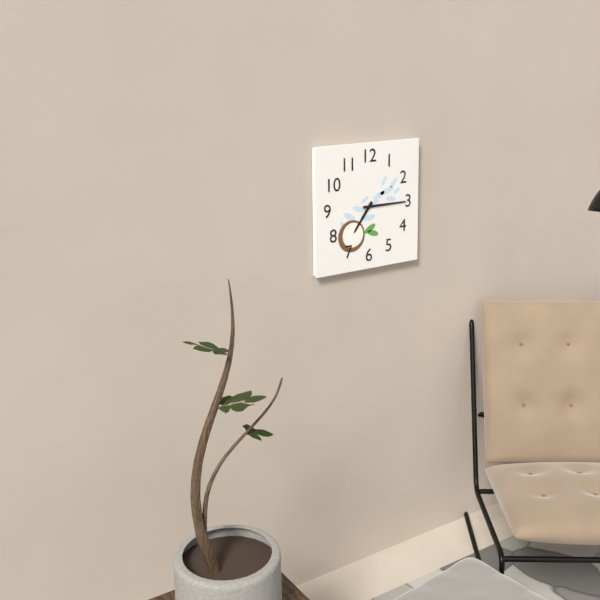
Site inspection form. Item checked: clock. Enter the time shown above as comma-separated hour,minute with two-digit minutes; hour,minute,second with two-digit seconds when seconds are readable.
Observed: 7,15
